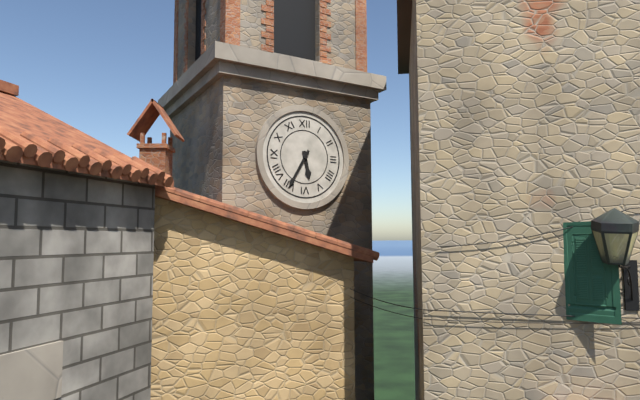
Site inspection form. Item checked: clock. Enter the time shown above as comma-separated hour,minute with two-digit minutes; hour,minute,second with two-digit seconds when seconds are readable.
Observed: 5,35
